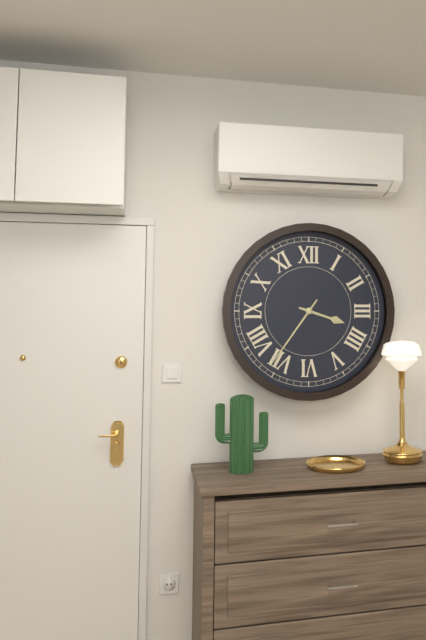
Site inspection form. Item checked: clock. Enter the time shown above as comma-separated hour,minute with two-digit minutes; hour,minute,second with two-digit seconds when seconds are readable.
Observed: 3,36
